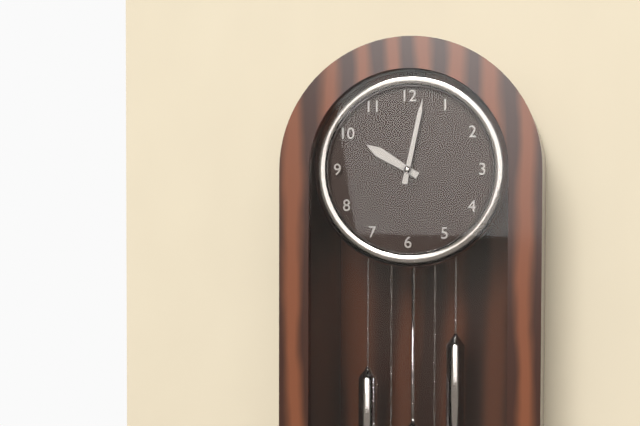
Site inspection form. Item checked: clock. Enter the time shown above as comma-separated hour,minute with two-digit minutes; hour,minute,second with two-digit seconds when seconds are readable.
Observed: 10,02
